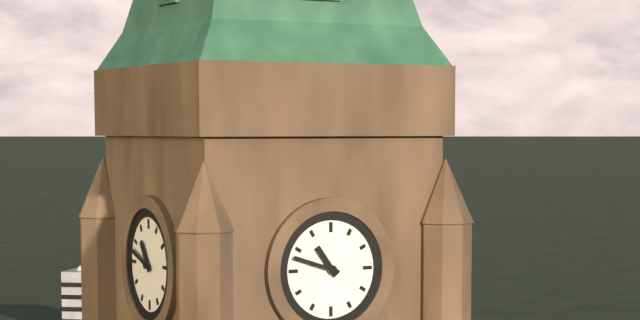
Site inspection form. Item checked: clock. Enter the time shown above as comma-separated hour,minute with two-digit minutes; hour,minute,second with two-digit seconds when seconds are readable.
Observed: 10,48
